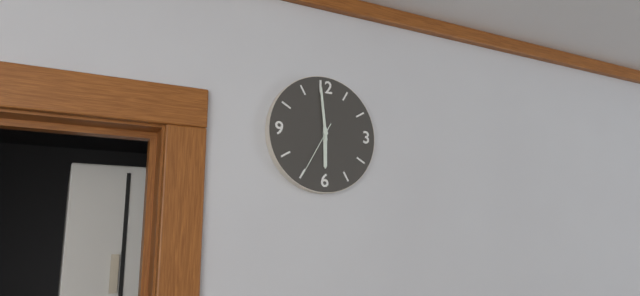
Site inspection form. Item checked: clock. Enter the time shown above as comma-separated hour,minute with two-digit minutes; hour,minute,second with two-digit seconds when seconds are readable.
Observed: 5,59,35
